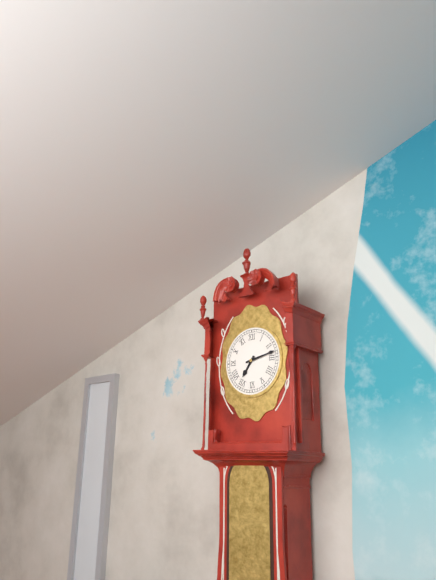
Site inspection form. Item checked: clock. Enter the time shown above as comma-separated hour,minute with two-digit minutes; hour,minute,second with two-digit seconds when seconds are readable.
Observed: 7,13
